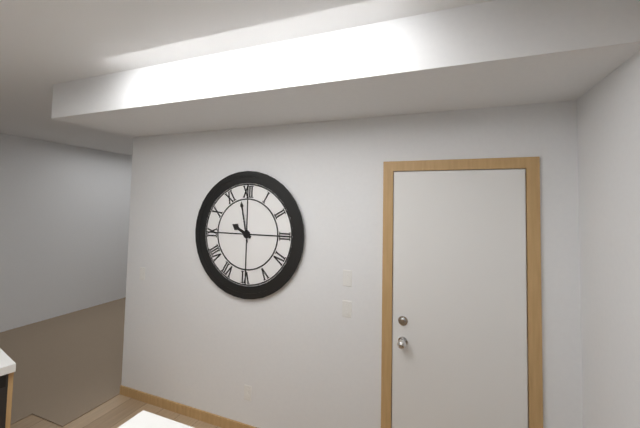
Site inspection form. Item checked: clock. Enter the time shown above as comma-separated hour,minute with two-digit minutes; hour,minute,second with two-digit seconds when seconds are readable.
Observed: 9,58
